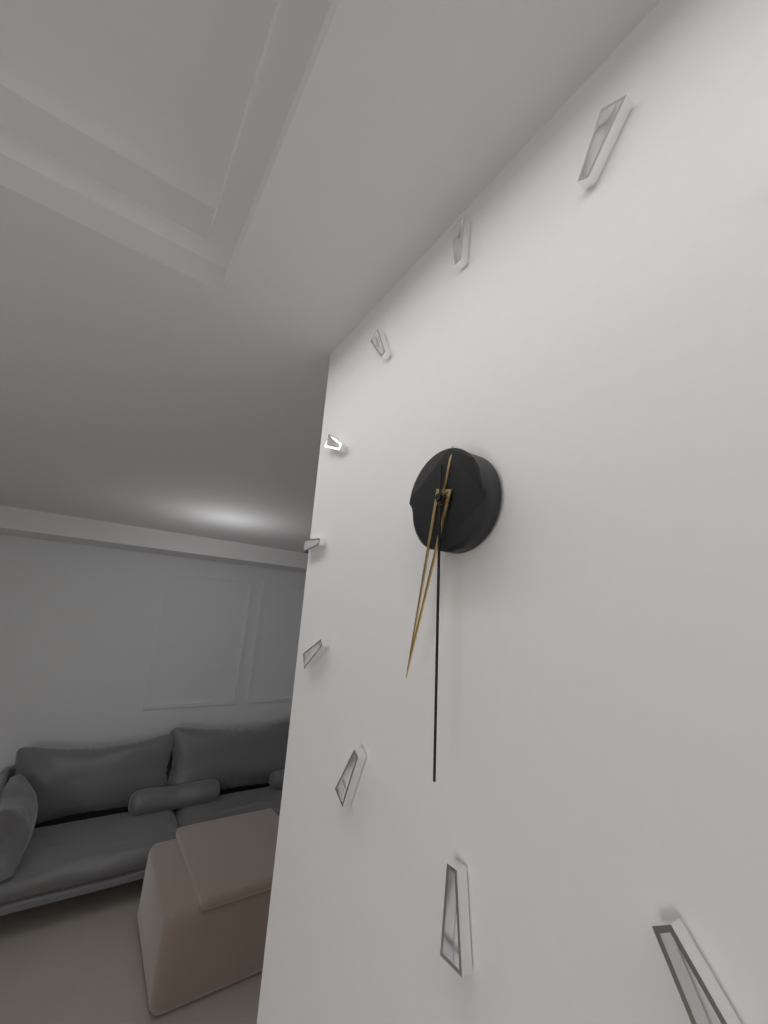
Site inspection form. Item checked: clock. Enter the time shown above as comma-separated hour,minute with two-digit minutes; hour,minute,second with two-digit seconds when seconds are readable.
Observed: 6,30
